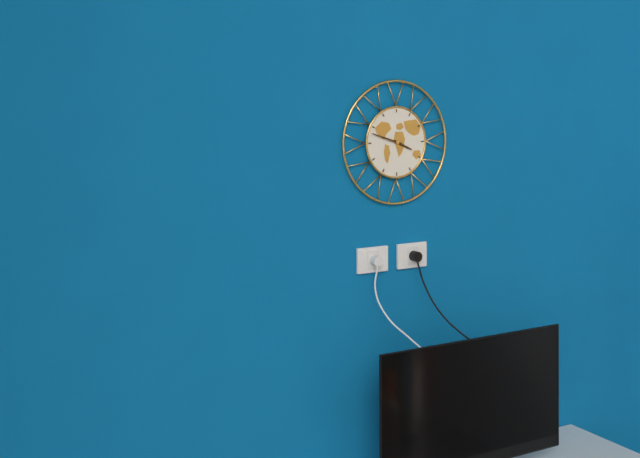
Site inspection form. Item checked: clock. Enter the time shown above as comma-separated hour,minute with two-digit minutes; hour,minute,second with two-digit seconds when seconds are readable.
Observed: 3,48
